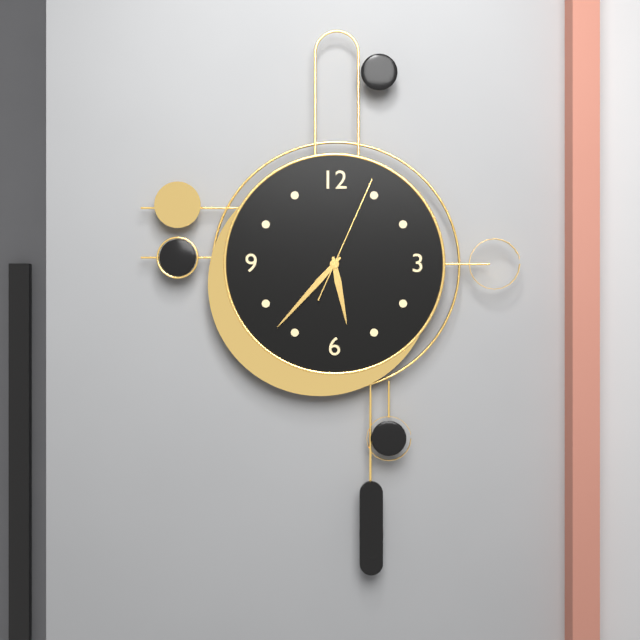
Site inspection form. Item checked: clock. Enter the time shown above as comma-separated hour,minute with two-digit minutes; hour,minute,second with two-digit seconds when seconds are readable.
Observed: 5,37,04
